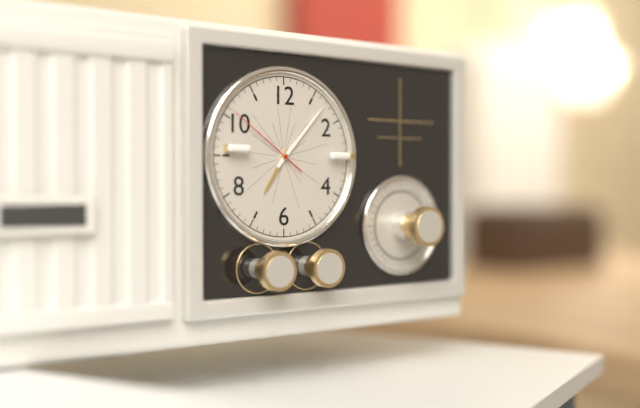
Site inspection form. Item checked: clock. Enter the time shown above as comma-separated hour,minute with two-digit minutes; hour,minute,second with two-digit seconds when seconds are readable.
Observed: 7,07,51
